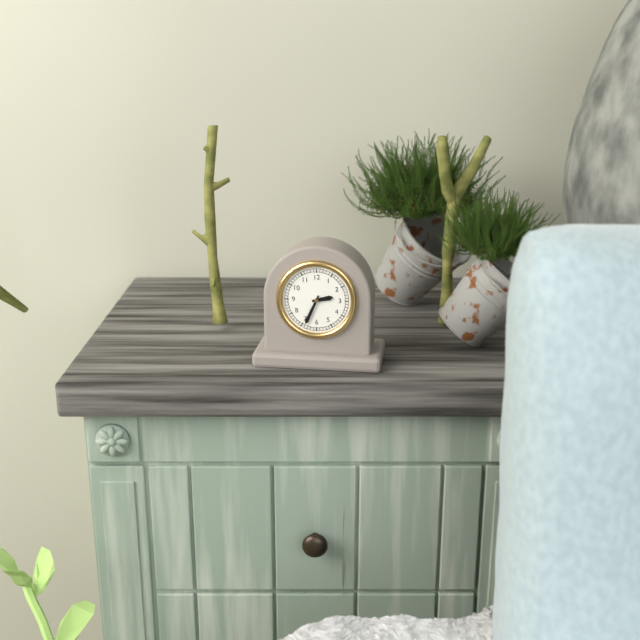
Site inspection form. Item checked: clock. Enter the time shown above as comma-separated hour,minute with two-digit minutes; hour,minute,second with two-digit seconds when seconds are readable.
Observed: 2,34
